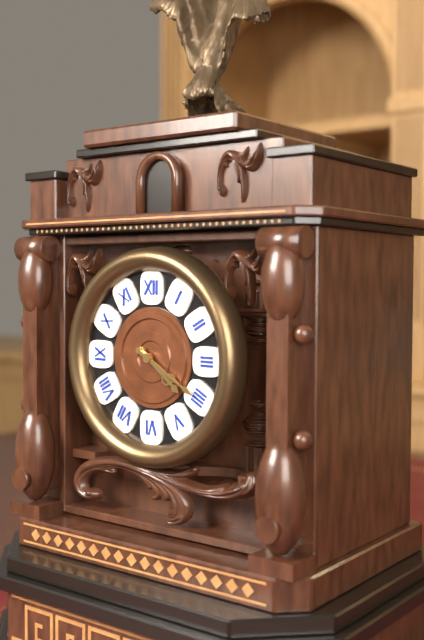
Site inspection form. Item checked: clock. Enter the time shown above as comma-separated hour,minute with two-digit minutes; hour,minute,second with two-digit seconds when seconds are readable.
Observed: 4,20
